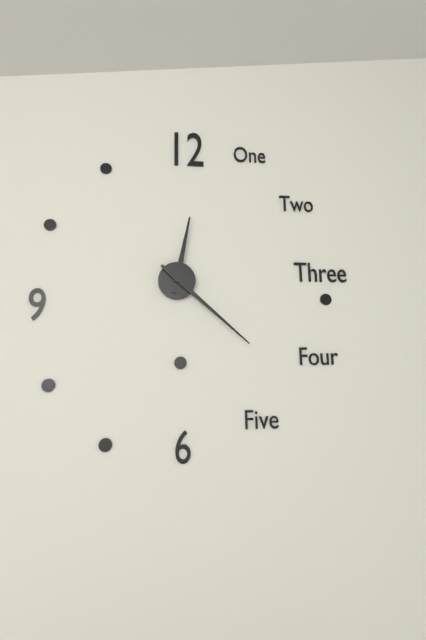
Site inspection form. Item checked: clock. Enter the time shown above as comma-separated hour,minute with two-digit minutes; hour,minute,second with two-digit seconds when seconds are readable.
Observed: 12,22
